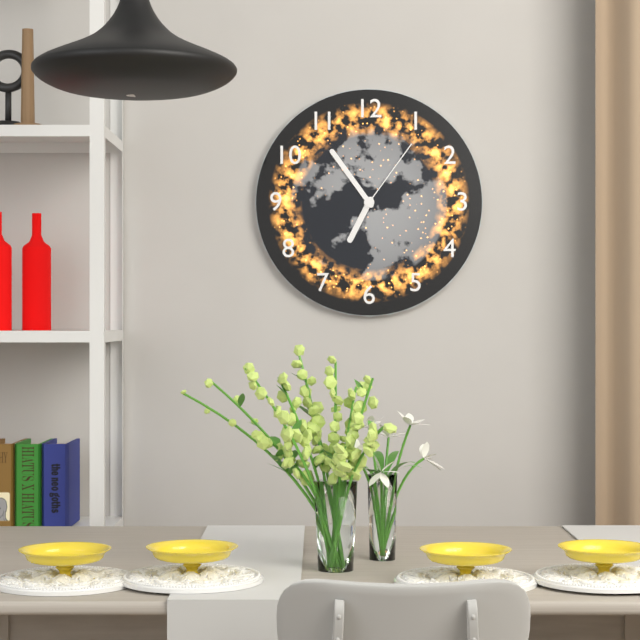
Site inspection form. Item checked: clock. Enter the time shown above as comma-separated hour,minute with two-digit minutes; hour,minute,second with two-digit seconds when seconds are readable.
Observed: 6,54,06
